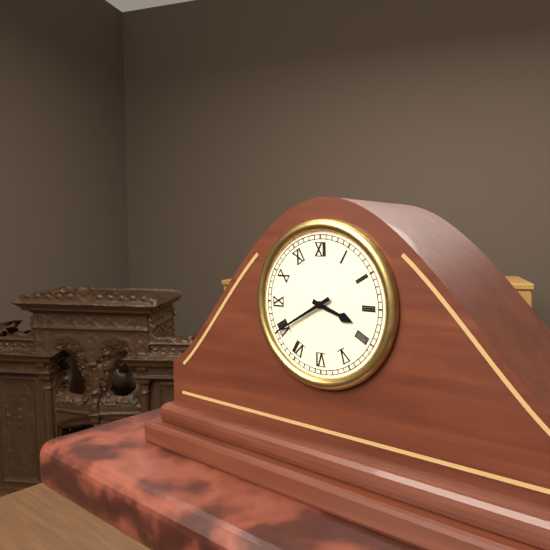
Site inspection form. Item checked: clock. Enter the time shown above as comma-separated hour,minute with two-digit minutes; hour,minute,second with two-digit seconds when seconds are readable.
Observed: 3,40
